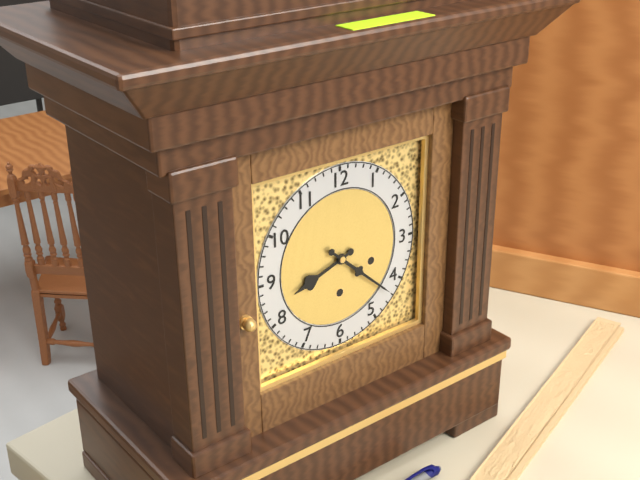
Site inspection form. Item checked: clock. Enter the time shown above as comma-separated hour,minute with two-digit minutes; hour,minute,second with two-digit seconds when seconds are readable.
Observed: 8,22
